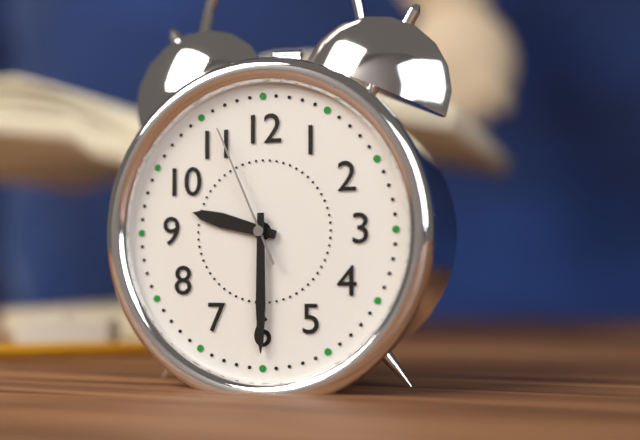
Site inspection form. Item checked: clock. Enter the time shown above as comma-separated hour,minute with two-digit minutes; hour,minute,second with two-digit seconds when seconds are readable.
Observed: 9,30,56
